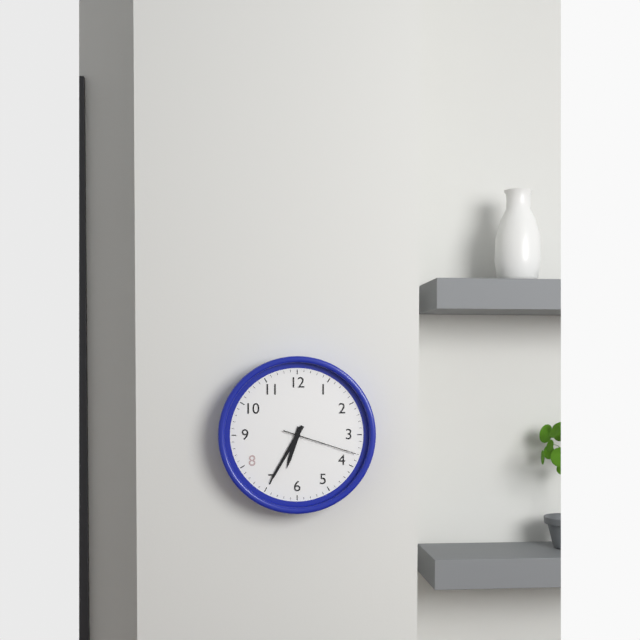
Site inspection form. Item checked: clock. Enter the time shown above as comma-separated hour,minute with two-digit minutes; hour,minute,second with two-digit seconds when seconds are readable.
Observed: 6,35,18
